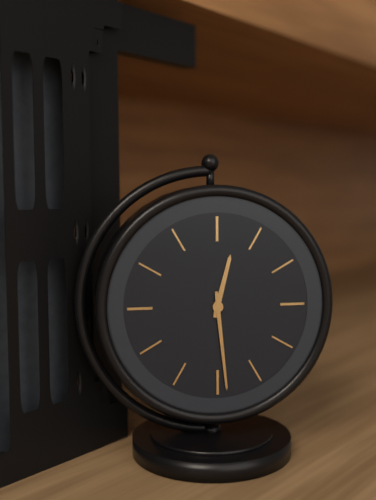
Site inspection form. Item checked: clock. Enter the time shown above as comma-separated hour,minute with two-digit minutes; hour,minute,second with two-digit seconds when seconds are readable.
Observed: 12,29
